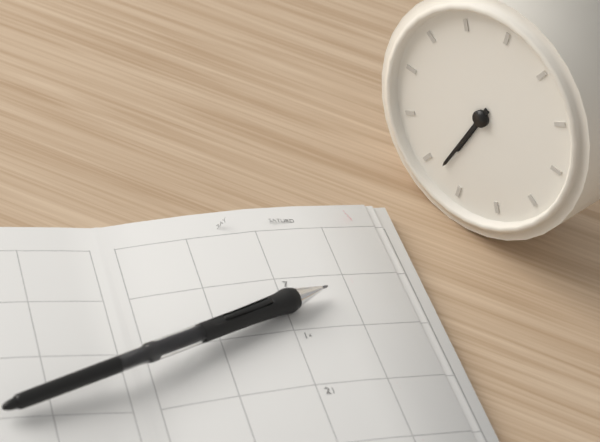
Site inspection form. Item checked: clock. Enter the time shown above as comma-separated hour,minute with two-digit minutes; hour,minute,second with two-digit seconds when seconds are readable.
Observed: 6,33
